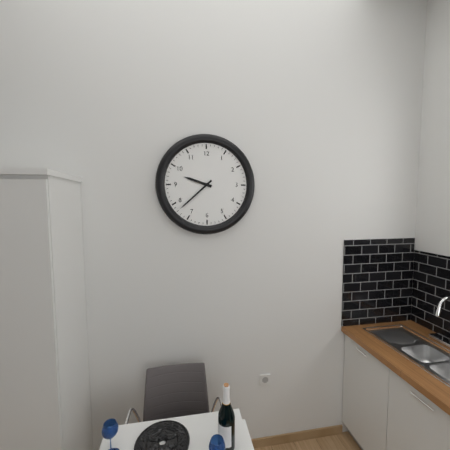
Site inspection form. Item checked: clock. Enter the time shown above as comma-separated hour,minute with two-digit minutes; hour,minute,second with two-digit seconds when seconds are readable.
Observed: 9,38
